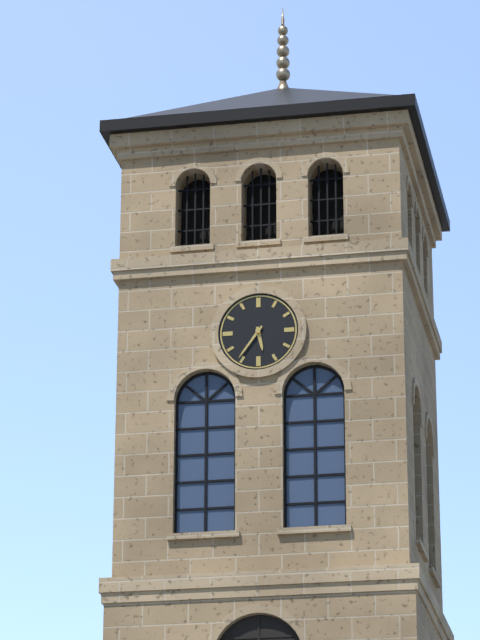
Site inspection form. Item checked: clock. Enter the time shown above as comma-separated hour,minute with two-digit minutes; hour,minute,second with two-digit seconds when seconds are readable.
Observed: 5,36
